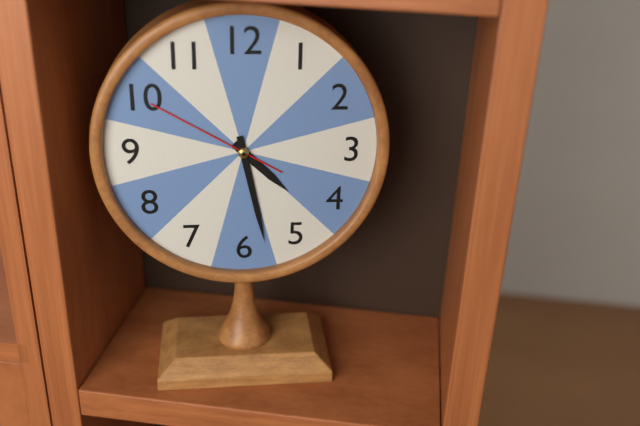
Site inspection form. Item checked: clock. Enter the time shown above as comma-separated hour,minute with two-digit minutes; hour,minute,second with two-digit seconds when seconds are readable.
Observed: 4,28,50
